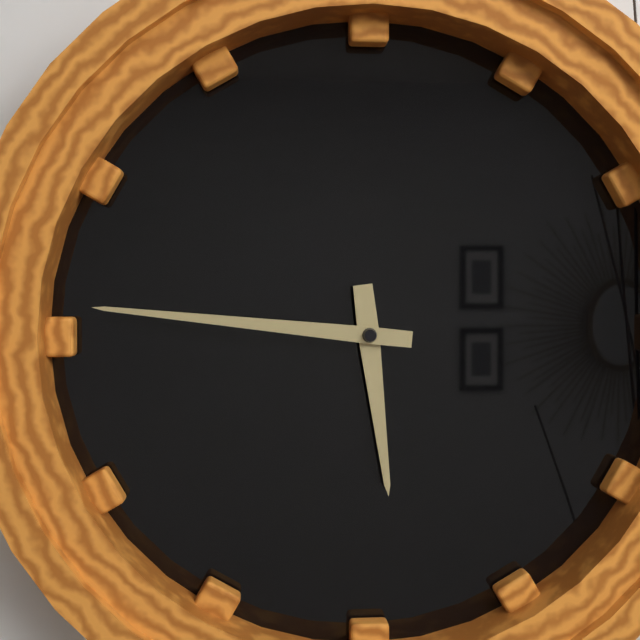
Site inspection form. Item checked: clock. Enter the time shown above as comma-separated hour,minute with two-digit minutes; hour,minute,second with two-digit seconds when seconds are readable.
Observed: 5,46
